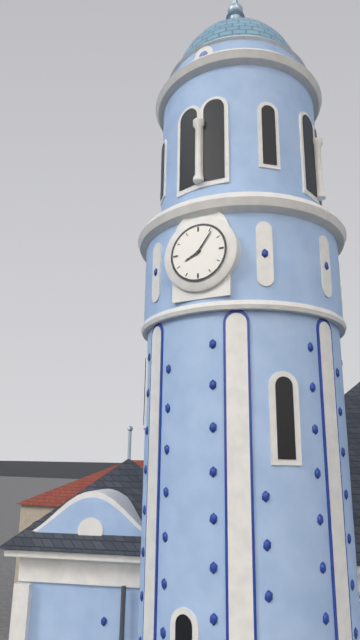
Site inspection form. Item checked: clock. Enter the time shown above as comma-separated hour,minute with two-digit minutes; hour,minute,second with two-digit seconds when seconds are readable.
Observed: 8,06
